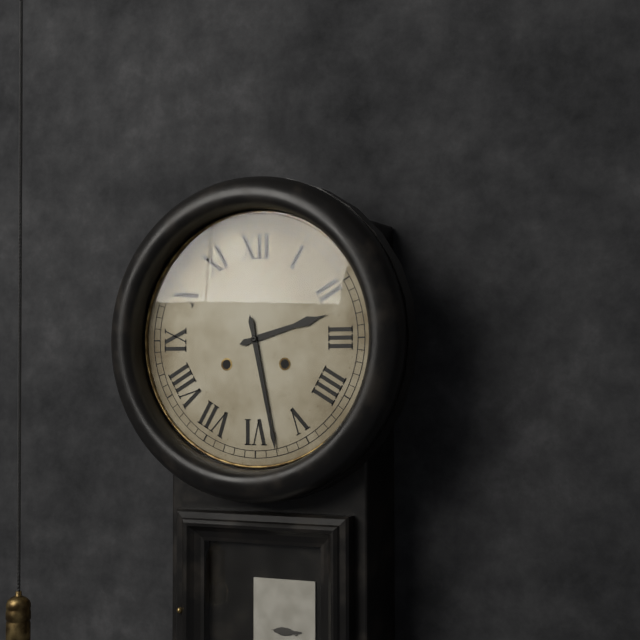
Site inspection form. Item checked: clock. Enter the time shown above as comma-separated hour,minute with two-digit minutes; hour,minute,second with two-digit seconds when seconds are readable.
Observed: 2,28
